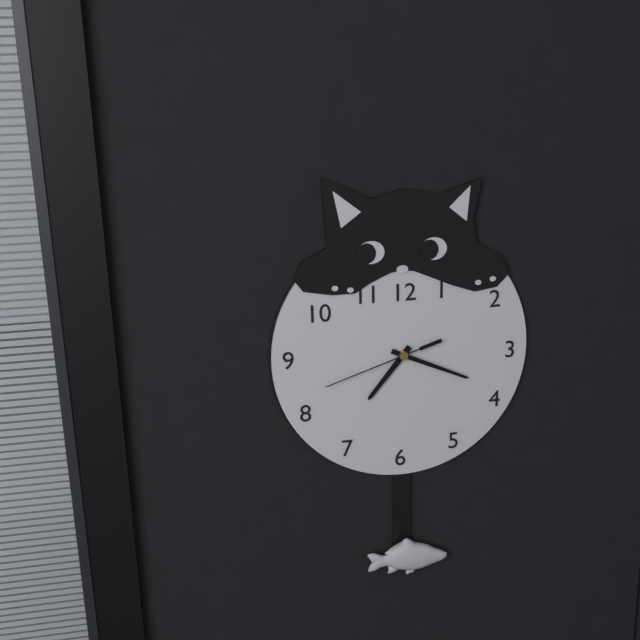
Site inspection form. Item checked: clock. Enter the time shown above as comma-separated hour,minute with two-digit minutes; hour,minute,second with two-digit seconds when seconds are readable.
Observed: 7,19,42
